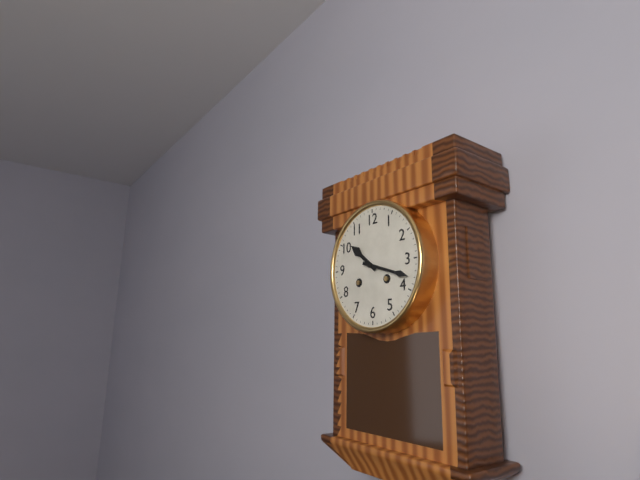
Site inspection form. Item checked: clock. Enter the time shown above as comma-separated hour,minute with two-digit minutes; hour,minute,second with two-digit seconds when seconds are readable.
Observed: 10,18
